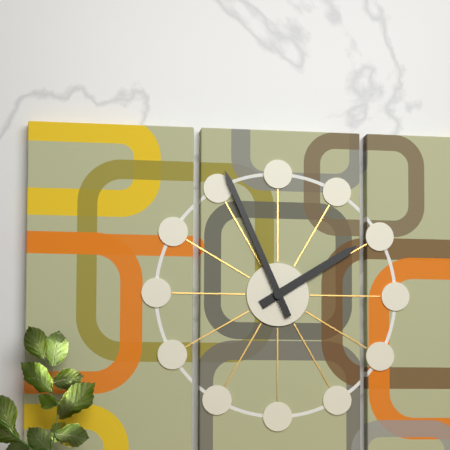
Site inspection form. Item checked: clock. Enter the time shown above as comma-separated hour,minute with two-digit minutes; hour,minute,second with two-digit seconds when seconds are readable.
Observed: 1,56
